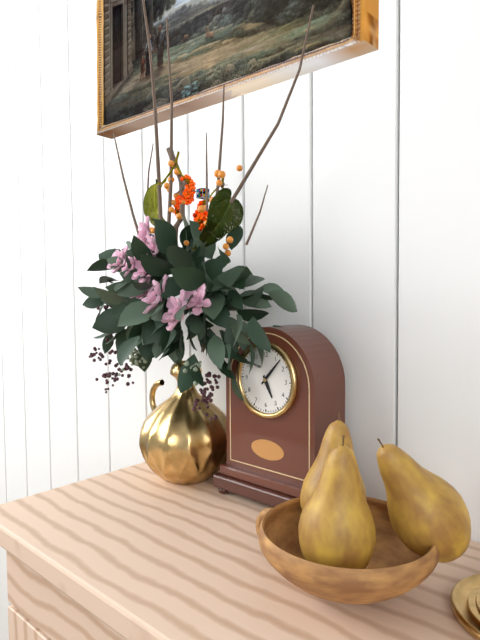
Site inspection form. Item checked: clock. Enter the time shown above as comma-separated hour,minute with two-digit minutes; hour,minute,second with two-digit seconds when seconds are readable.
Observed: 5,07
